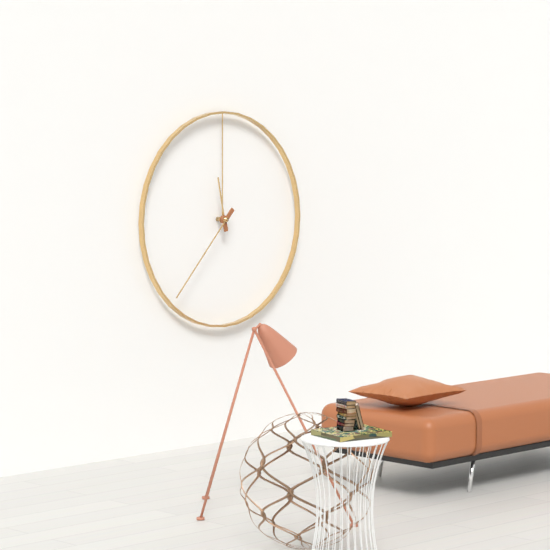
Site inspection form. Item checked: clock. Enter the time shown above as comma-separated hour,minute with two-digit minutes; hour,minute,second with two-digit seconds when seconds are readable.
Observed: 11,37
